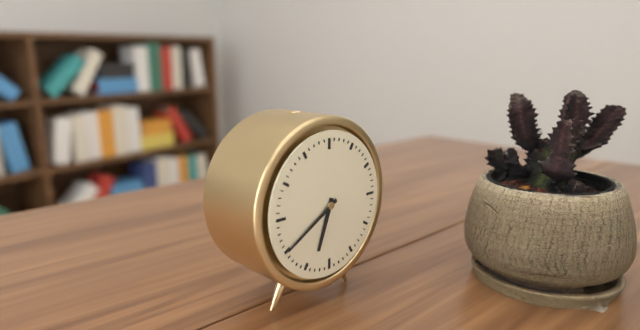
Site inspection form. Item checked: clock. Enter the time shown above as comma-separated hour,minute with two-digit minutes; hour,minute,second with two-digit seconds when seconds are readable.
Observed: 6,40
